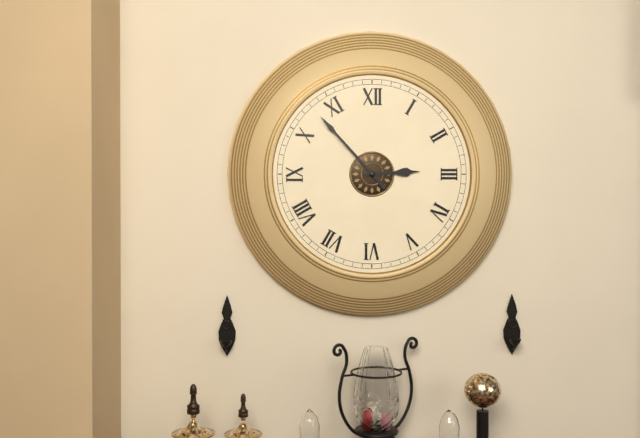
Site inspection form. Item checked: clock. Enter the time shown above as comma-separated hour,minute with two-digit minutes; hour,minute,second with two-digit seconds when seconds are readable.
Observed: 2,53
